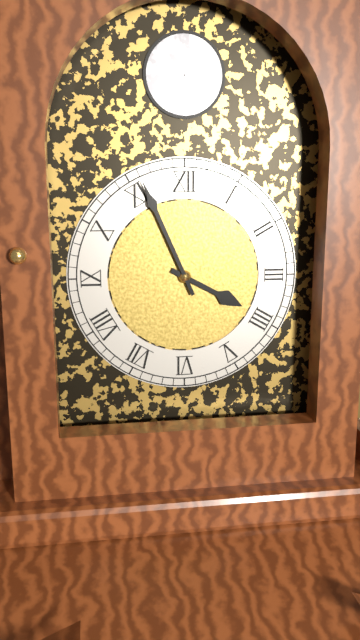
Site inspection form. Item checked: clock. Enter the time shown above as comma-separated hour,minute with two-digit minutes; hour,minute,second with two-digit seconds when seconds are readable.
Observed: 3,56
